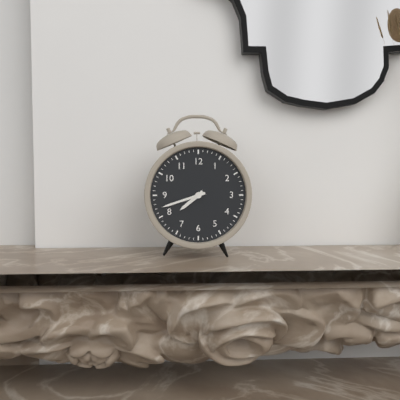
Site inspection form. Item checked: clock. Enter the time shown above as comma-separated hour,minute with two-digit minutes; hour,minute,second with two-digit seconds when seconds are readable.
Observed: 7,42
